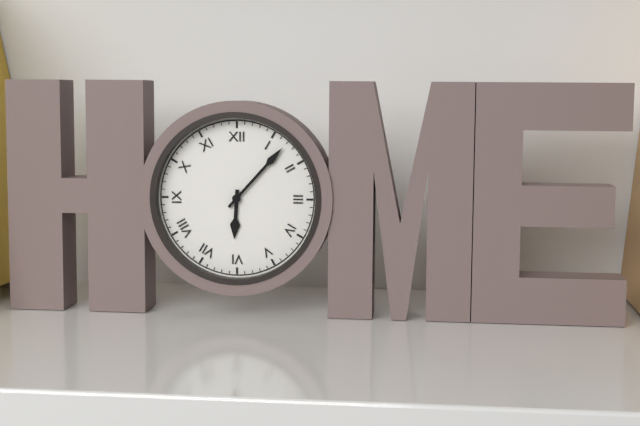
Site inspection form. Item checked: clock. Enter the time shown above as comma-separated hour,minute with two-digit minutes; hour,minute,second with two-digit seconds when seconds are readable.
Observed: 6,07
